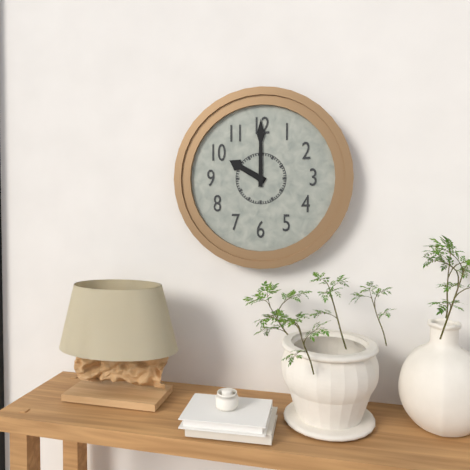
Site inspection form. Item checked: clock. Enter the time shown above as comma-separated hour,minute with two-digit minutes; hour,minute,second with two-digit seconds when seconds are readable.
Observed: 10,00
